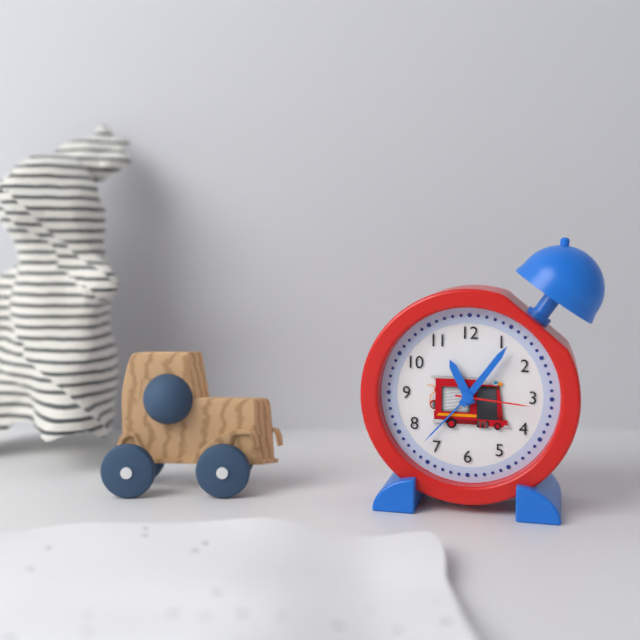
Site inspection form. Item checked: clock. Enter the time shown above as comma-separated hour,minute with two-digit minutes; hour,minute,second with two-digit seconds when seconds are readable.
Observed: 11,06,16
